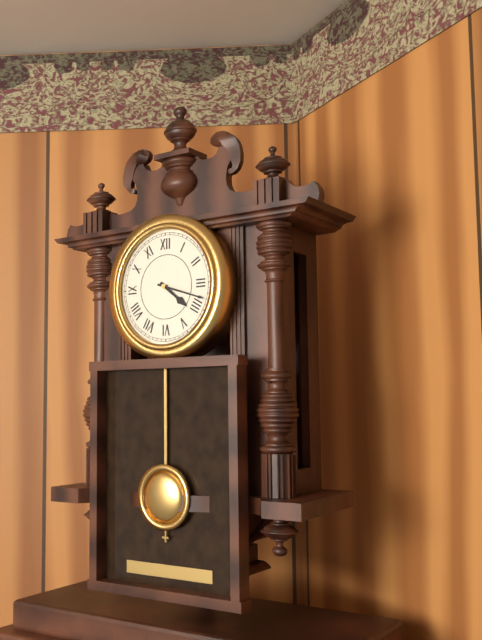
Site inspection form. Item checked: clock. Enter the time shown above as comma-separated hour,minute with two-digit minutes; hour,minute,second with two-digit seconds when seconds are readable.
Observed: 4,18
